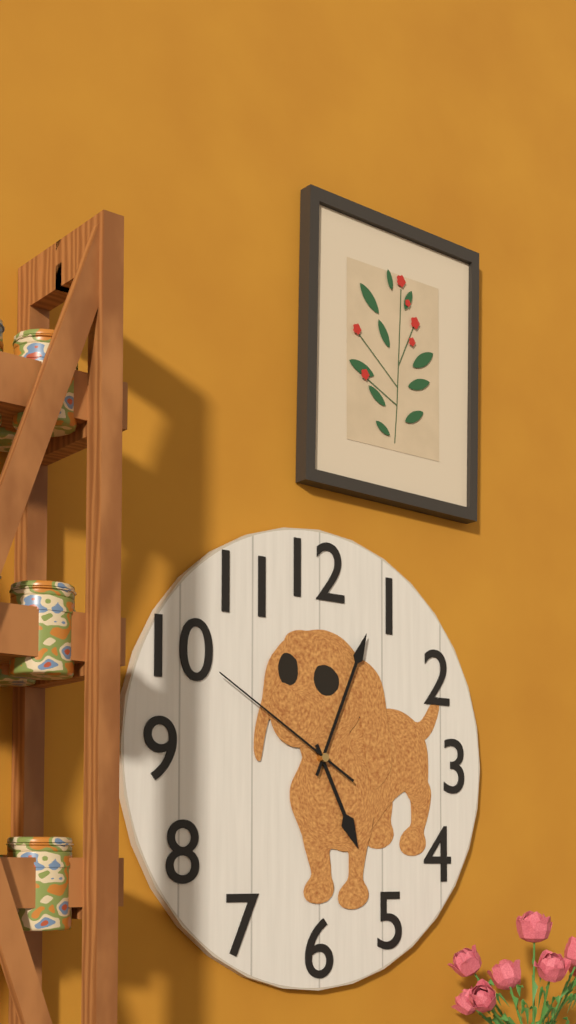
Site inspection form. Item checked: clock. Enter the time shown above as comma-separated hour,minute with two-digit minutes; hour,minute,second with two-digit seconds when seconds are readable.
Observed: 5,04,50
